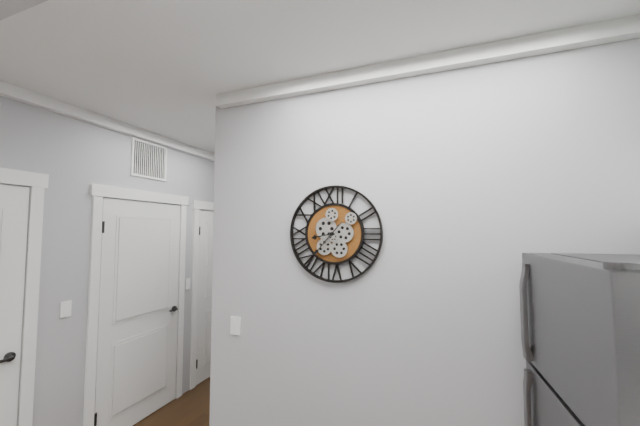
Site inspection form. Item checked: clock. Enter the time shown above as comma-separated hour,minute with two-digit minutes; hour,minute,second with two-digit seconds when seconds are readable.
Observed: 8,37
